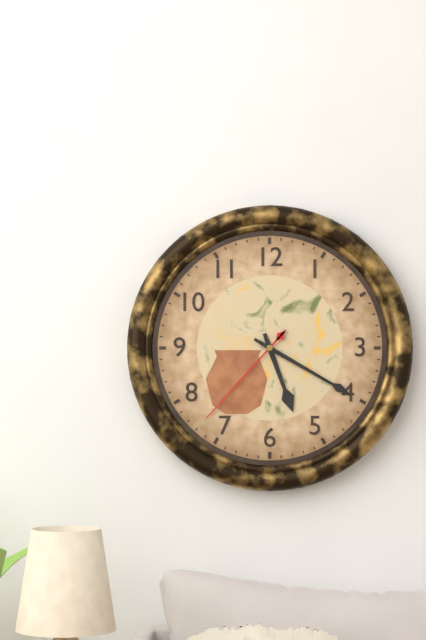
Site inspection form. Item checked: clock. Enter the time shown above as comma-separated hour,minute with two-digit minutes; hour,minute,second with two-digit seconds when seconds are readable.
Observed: 5,20,37
